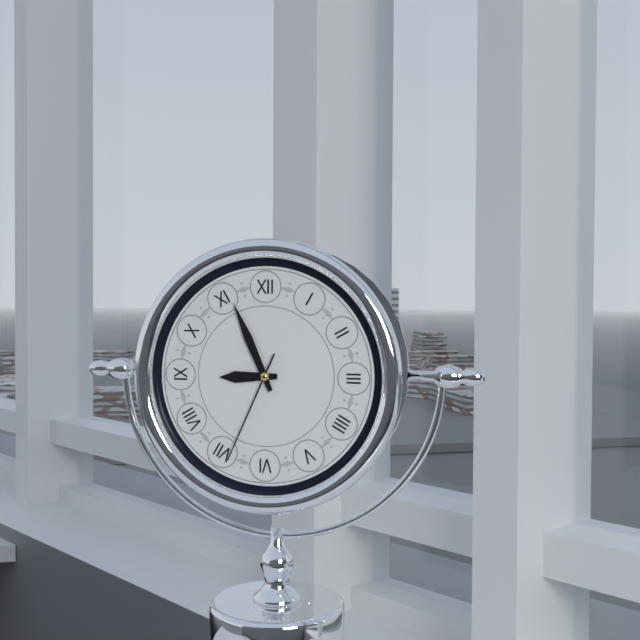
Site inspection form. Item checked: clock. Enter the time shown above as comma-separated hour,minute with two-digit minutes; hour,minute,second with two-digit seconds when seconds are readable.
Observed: 8,56,34
